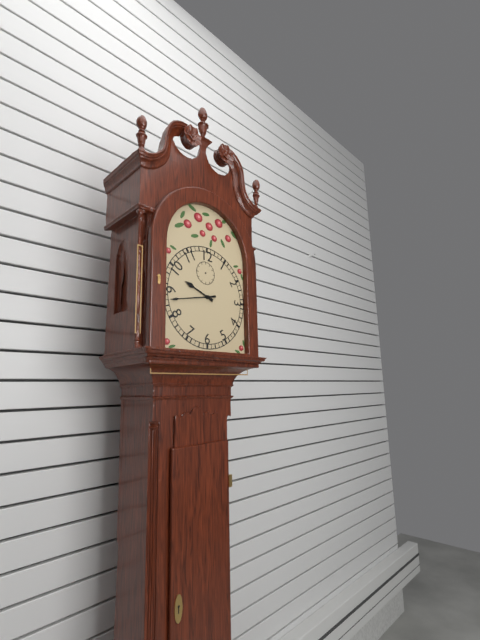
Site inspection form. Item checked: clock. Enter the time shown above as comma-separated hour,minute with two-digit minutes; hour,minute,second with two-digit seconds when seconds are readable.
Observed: 9,43
